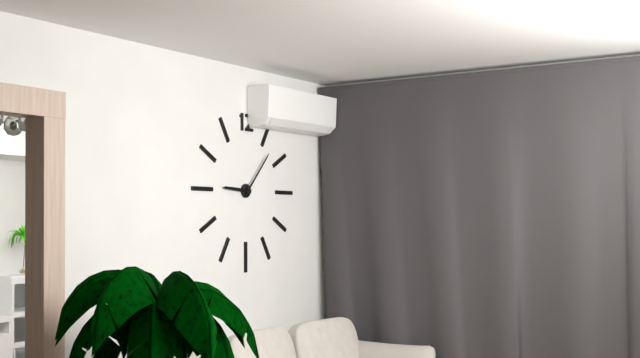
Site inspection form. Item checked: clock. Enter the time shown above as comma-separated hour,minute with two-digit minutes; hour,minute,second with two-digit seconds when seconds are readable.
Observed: 9,07
